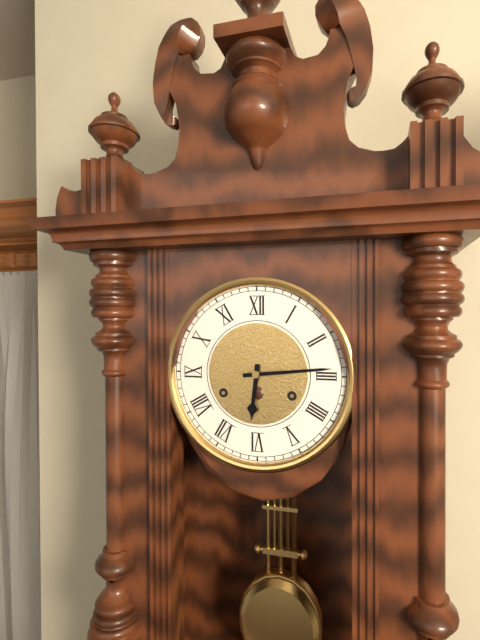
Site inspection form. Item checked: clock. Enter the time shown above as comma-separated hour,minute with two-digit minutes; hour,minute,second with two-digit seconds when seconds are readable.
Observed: 6,14
